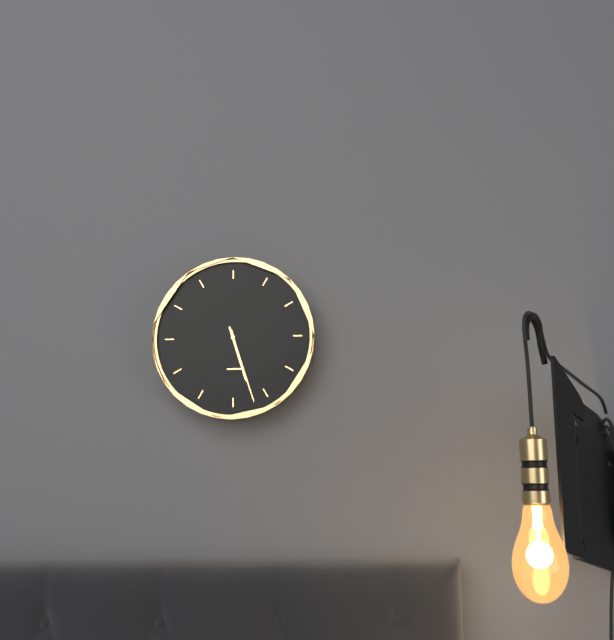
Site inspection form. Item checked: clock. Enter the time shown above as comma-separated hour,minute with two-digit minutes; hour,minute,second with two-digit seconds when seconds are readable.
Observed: 5,27
